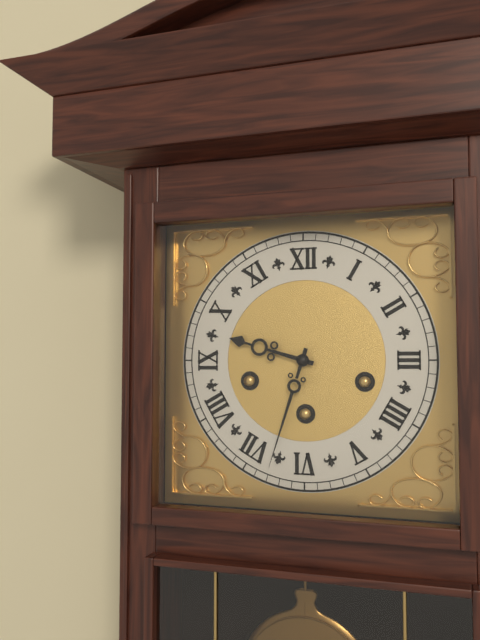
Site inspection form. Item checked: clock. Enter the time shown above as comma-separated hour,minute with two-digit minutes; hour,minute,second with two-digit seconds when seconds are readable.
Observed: 9,33
